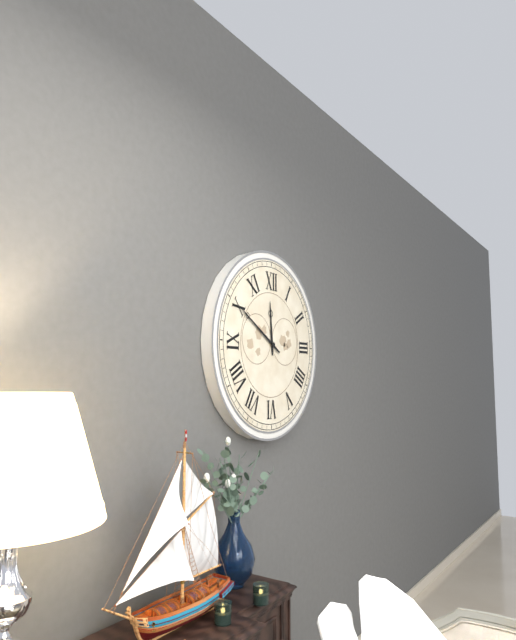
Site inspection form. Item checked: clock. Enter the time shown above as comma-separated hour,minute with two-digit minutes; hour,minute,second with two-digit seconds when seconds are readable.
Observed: 11,50
